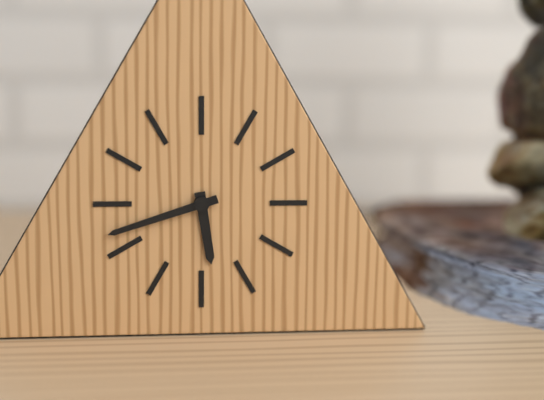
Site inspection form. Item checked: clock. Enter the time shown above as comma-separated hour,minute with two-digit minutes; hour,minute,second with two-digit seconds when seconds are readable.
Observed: 5,42
